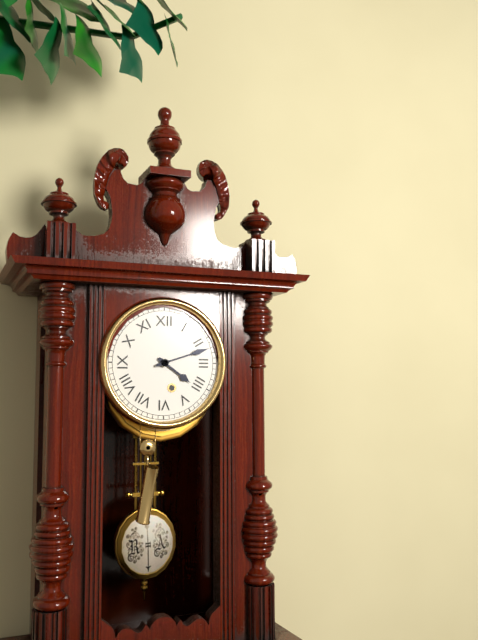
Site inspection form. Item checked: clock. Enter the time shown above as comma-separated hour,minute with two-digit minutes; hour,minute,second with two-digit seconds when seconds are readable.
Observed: 4,12
